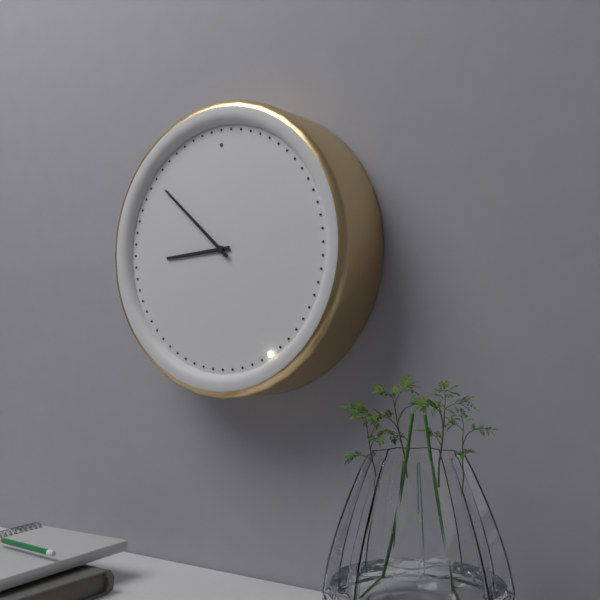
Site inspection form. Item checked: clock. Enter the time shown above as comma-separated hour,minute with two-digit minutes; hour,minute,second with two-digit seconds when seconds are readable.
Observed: 8,52
